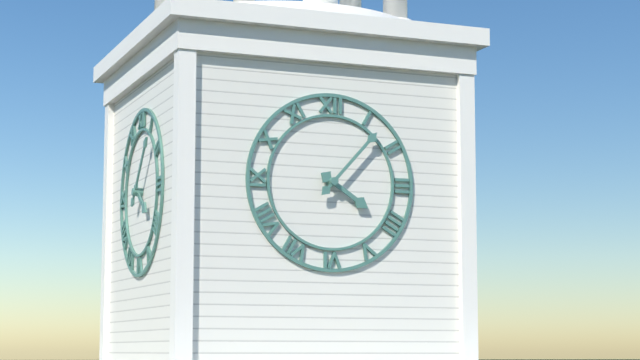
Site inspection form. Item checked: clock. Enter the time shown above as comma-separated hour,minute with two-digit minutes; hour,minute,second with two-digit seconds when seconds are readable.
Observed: 4,07
